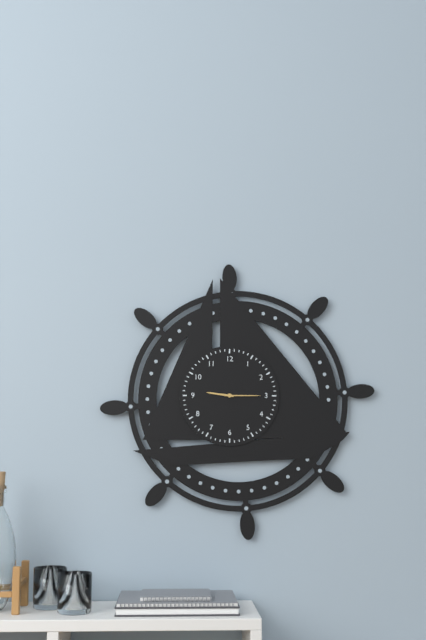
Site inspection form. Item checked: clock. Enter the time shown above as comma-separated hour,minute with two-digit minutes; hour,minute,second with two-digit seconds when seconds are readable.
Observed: 9,15
